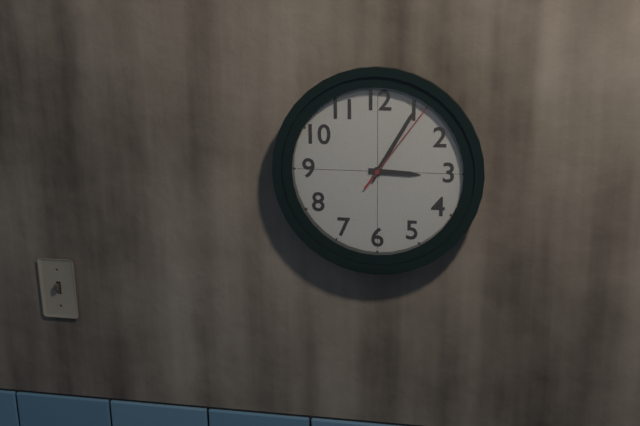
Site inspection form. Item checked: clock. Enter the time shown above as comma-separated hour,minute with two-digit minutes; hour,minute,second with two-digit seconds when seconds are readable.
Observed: 3,05,06
